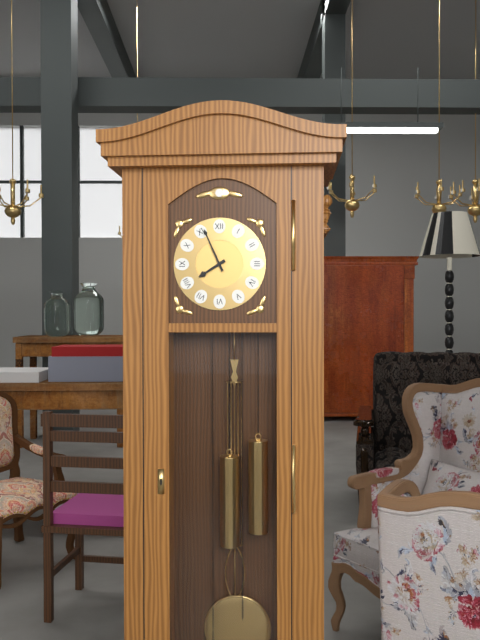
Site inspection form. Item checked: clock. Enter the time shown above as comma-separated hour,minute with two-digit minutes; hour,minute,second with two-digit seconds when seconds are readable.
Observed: 7,56
